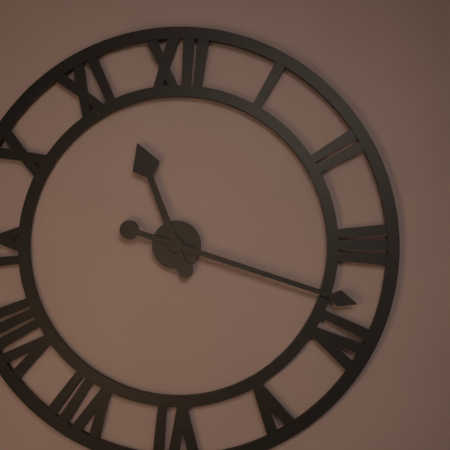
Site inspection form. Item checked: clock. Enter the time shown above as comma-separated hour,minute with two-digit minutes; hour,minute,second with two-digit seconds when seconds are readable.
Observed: 11,18
